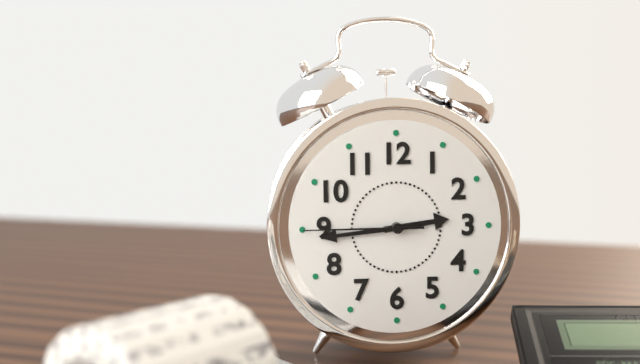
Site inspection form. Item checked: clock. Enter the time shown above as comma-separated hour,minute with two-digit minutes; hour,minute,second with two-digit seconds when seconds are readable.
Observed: 2,44,45
